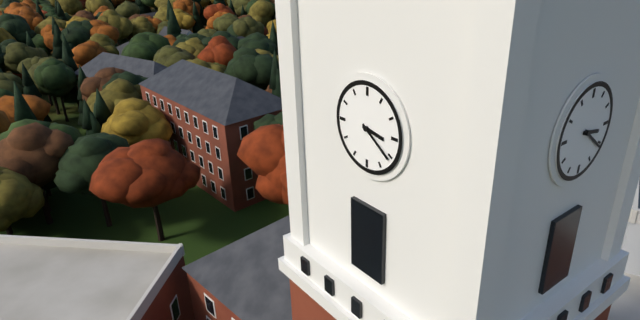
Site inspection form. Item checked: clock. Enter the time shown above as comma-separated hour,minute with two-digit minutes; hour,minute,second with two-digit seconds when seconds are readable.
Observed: 3,21
